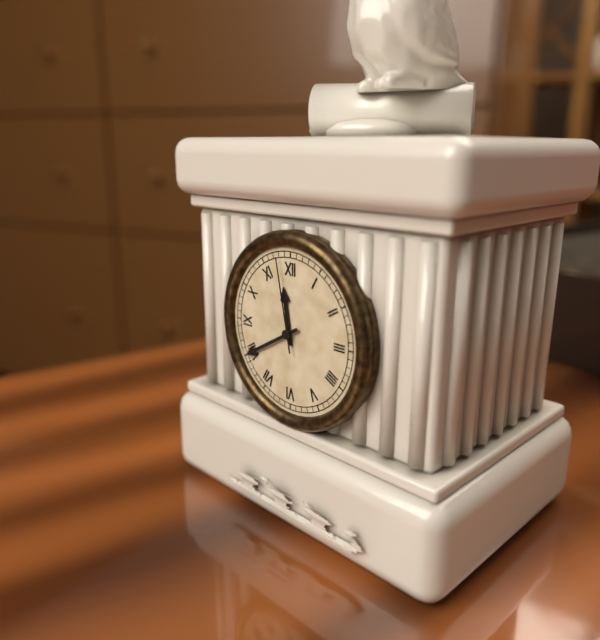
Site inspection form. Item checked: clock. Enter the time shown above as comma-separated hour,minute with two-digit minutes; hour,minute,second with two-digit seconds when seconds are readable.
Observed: 11,40,58
